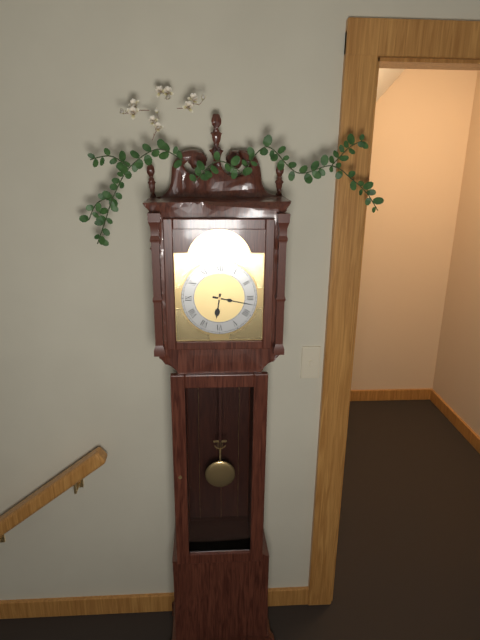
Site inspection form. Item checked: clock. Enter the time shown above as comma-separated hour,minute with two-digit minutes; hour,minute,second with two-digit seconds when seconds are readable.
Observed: 6,17
